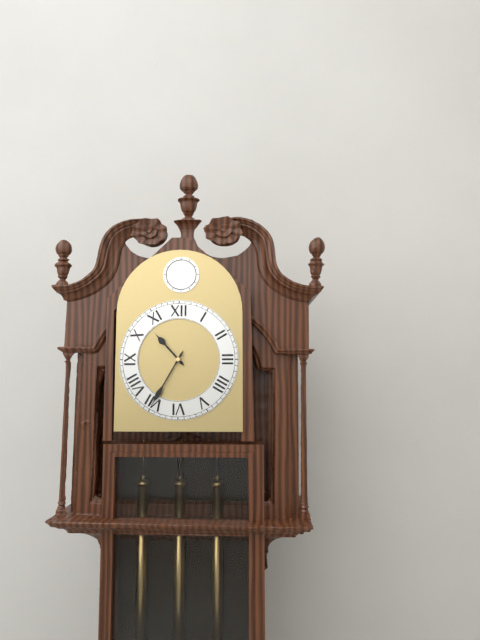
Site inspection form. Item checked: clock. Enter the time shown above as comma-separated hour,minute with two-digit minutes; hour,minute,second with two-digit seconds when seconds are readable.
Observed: 10,35
